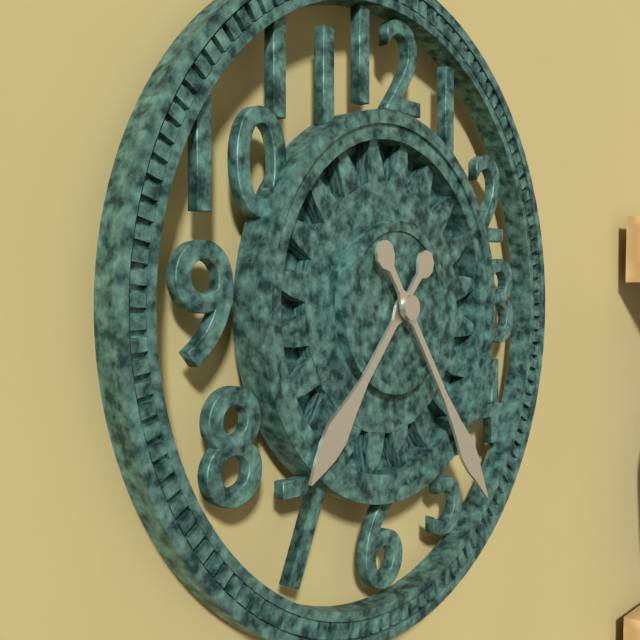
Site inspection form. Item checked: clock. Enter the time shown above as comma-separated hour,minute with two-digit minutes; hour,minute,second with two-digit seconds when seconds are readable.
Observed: 7,24
